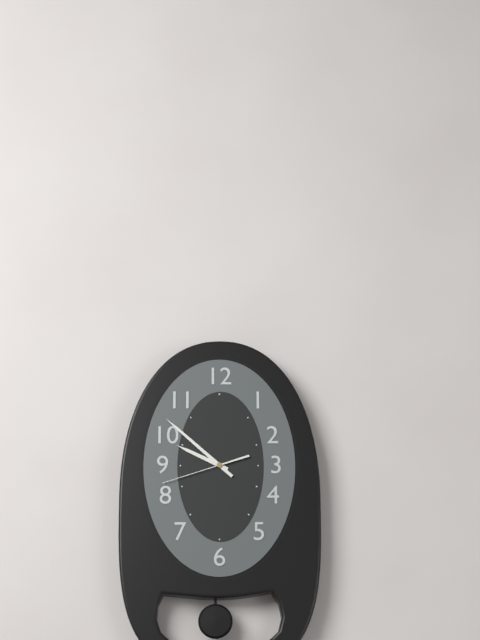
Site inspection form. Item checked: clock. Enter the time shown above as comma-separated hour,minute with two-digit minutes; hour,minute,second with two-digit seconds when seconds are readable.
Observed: 9,52,42
